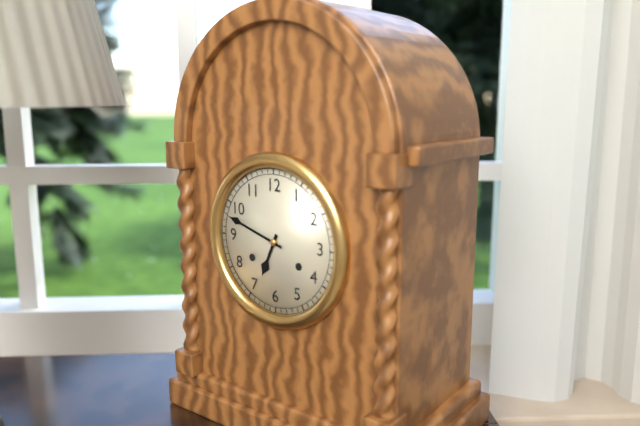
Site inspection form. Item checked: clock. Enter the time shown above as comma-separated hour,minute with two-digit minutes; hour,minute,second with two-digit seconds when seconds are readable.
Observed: 6,48
